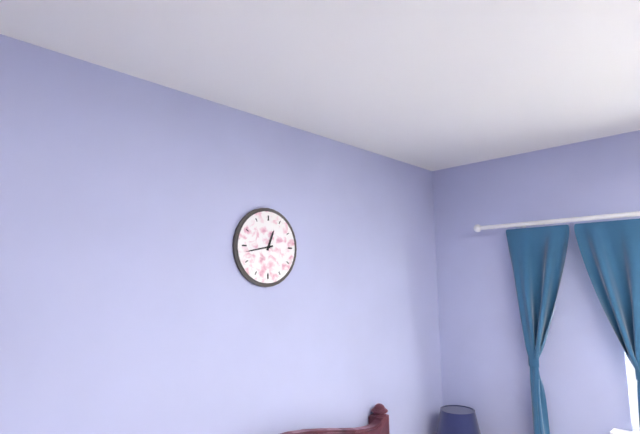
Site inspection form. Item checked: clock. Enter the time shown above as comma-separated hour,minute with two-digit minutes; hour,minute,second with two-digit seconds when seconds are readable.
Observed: 12,43
